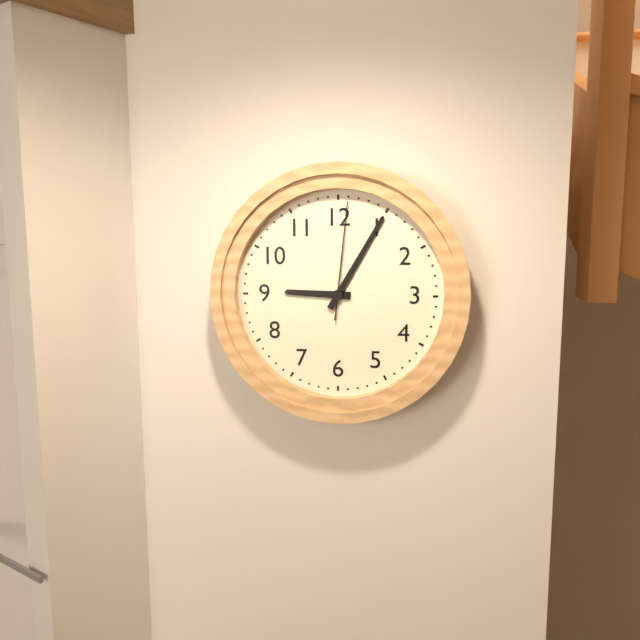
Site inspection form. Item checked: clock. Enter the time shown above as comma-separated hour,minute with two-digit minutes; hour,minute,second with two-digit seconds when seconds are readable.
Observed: 9,05,01
